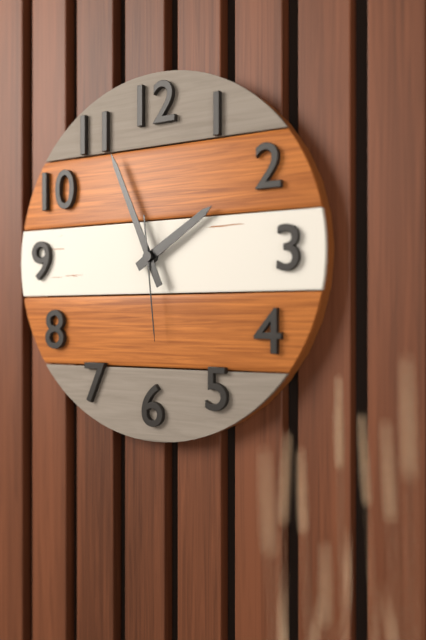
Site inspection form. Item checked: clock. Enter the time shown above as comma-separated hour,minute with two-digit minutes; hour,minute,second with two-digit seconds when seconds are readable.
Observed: 1,56,29
